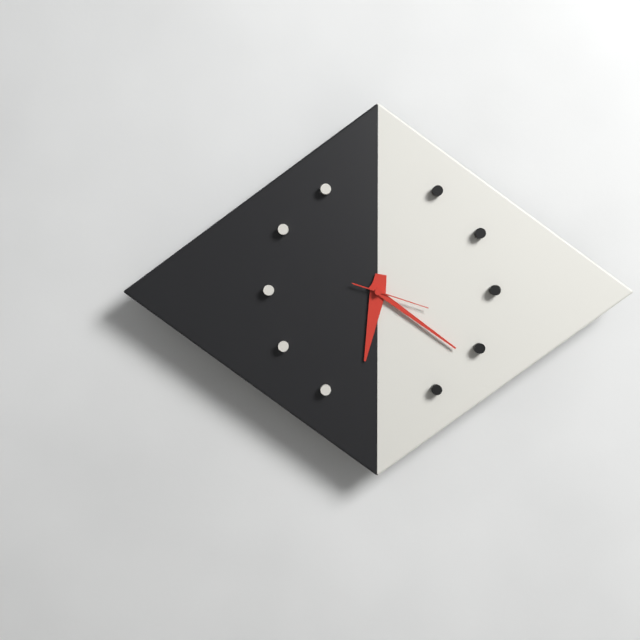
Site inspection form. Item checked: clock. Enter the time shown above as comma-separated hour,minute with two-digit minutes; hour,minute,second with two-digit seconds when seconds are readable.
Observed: 6,21,18
